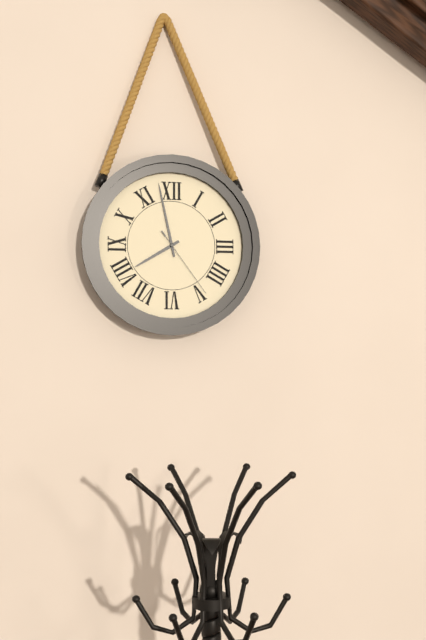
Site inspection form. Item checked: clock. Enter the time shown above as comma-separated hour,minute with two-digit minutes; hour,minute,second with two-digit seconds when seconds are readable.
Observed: 7,58,24
